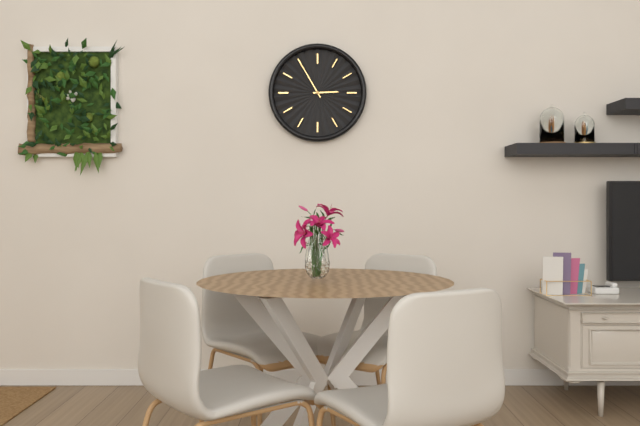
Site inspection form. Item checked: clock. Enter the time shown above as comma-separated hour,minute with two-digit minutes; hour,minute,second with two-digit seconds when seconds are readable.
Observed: 2,55
